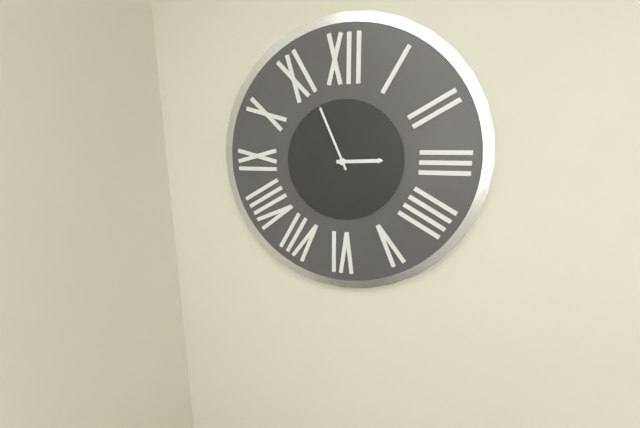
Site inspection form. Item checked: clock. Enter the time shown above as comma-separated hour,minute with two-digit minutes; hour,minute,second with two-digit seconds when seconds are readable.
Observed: 2,56
